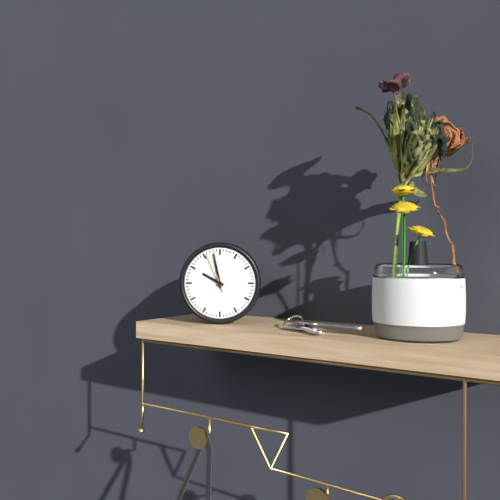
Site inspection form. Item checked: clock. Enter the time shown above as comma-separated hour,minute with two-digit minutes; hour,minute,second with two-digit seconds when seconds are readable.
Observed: 9,58
